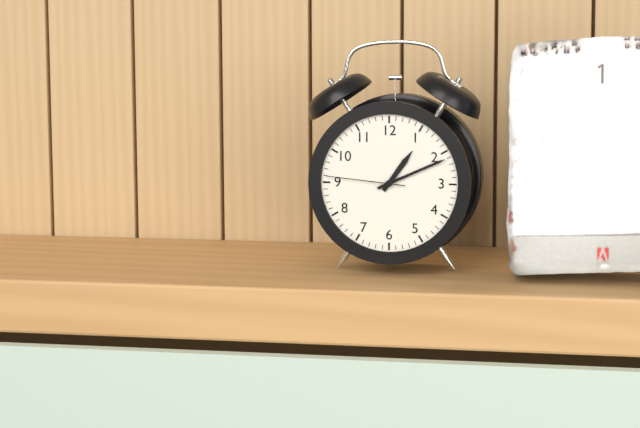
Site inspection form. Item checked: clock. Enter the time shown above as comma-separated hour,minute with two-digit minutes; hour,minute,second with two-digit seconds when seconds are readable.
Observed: 1,11,46
